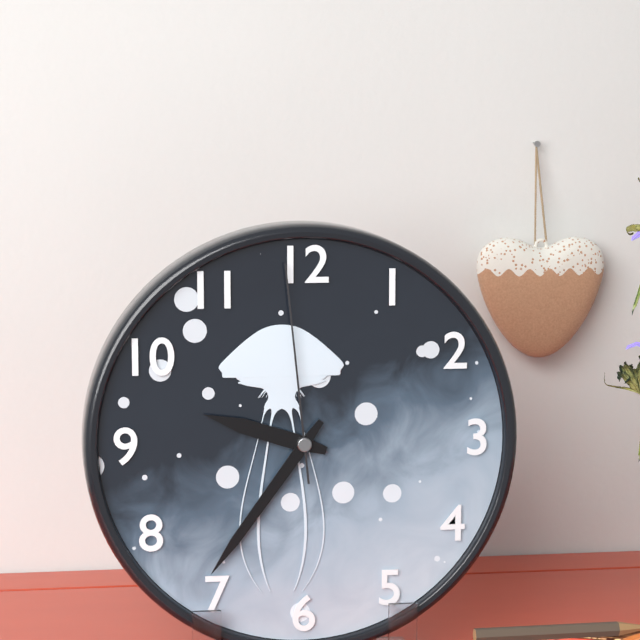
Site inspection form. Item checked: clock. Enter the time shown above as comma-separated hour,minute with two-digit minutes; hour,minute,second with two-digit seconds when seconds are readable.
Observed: 9,36,59
